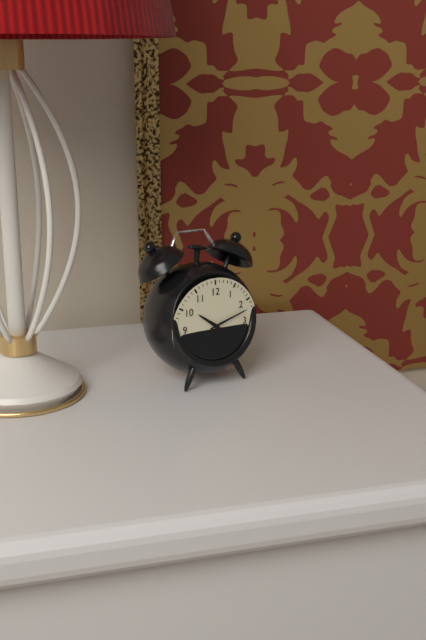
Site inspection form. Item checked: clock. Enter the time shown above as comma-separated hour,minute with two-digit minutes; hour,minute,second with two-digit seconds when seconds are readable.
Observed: 10,12
